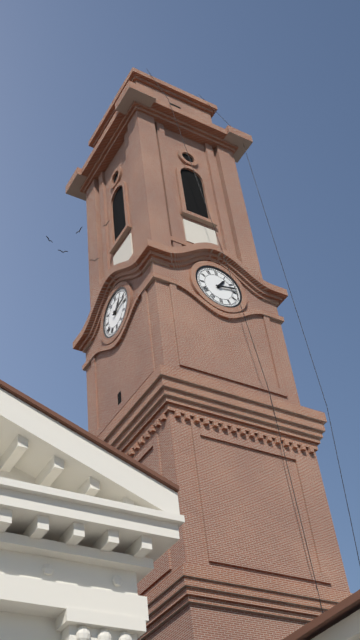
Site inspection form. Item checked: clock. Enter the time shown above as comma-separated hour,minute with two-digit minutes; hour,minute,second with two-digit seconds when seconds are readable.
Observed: 1,13
